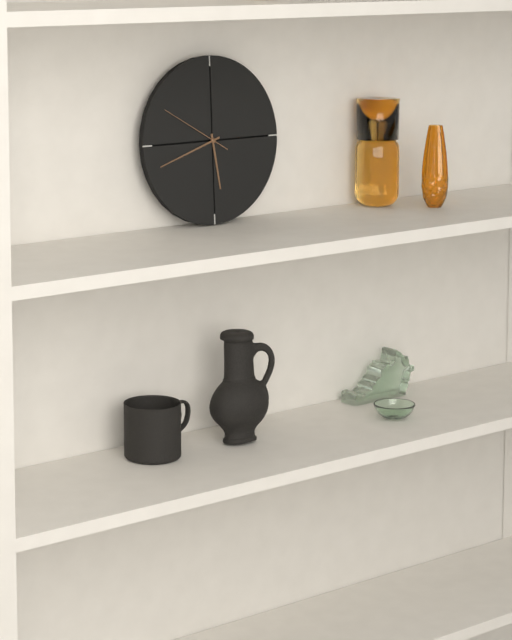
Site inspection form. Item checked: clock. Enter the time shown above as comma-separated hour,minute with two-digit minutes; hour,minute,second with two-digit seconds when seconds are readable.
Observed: 5,42,50
